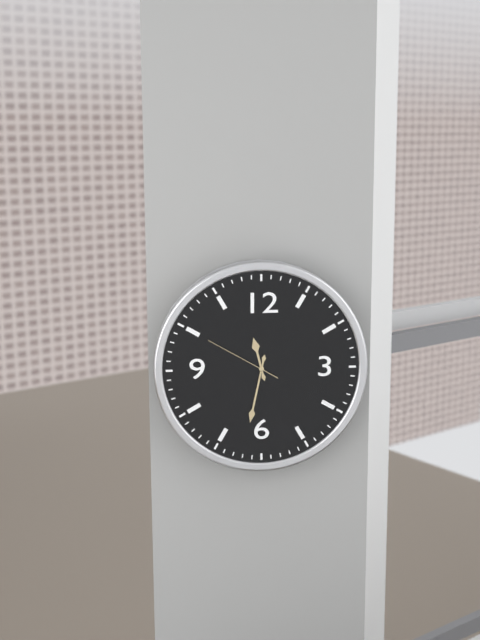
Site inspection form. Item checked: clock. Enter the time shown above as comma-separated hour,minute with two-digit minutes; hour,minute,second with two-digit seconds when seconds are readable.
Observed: 11,32,50
